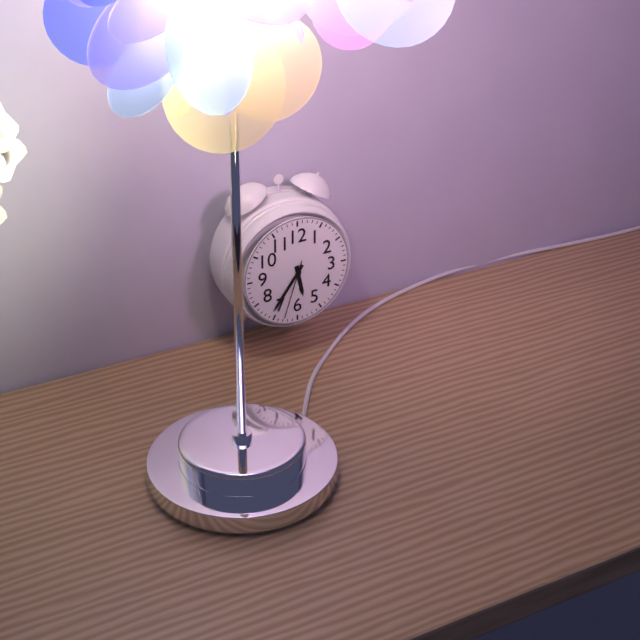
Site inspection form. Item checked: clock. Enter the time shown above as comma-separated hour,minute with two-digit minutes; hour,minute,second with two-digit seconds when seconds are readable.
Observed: 5,36,33
